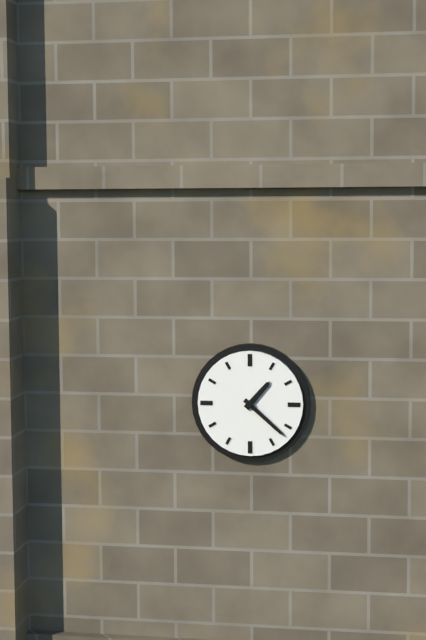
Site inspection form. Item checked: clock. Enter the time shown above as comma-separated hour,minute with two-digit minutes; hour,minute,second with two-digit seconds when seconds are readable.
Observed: 1,22
